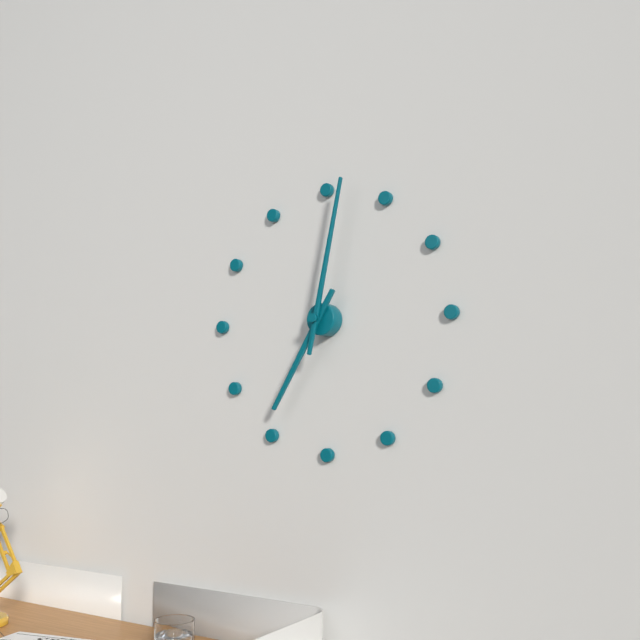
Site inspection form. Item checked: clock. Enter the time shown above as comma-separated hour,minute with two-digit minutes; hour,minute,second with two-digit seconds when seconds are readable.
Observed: 7,02
